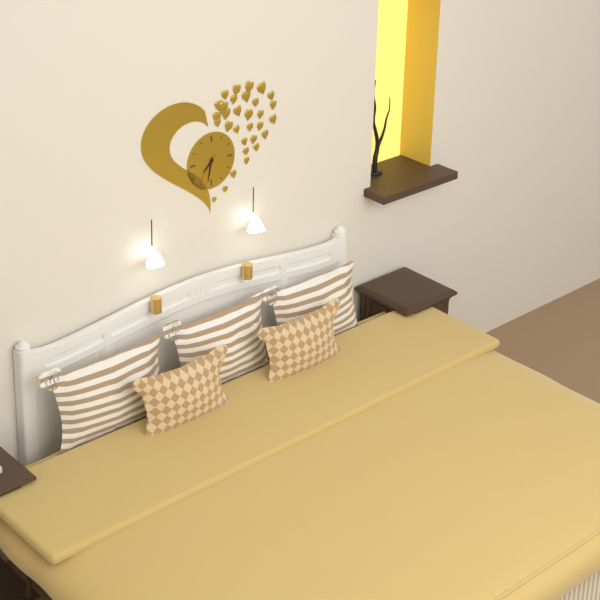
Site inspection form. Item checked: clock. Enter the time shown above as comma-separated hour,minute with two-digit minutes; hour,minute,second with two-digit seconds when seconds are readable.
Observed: 7,32
